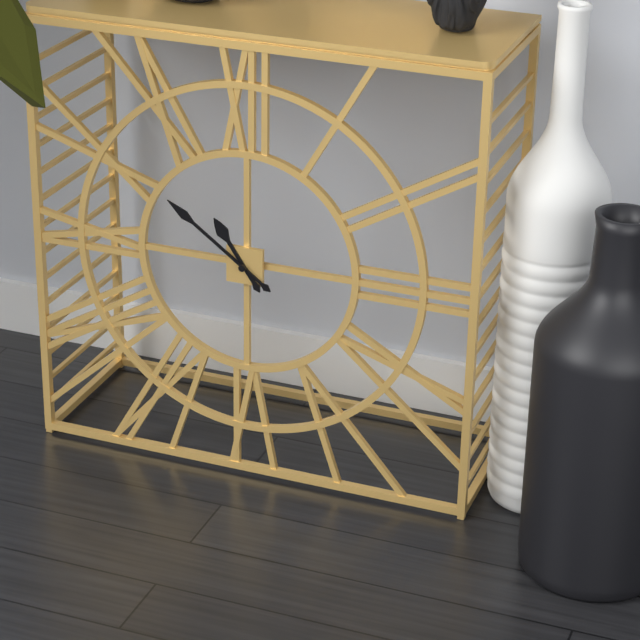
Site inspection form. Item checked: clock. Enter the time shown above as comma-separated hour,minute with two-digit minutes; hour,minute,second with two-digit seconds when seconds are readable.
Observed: 10,51
